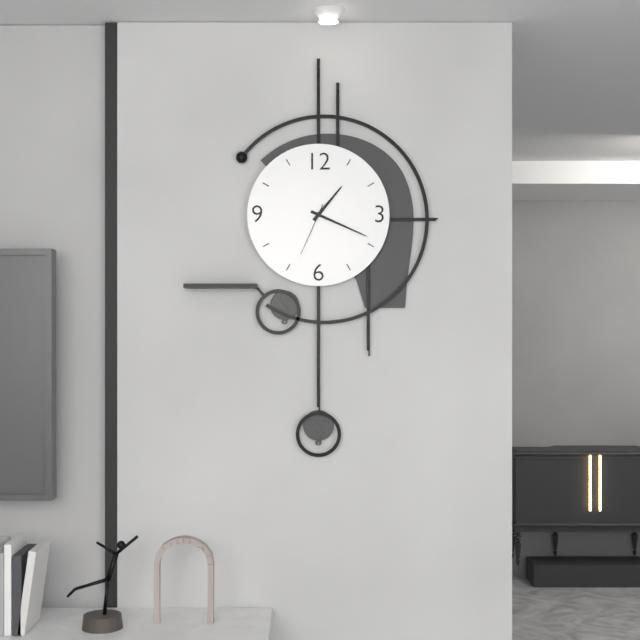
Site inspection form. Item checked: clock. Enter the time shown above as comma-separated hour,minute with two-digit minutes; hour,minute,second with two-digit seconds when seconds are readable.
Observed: 1,19,34
